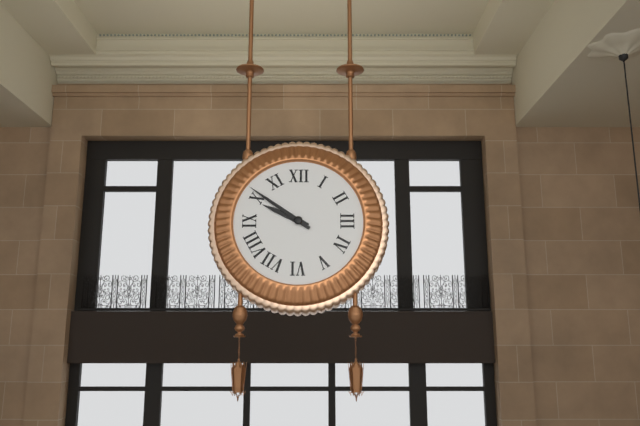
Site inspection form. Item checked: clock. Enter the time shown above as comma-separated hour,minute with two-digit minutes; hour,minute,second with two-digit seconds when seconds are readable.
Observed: 9,51
